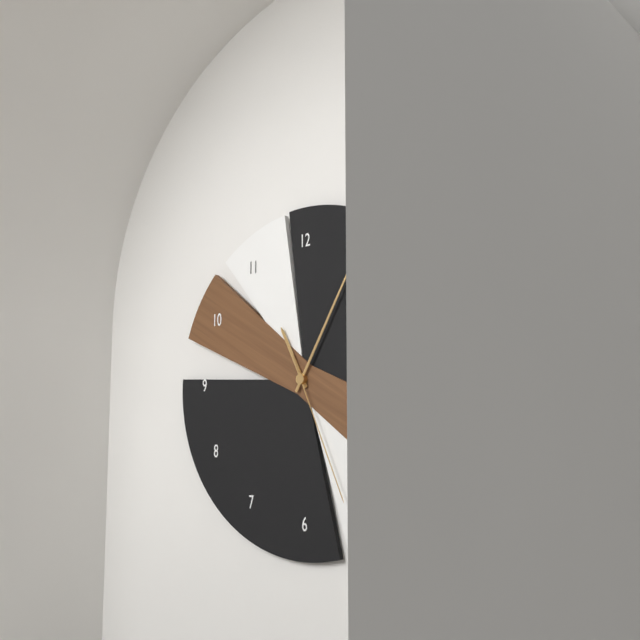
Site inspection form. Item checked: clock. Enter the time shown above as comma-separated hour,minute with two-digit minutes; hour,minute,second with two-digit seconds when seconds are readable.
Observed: 11,05,26
